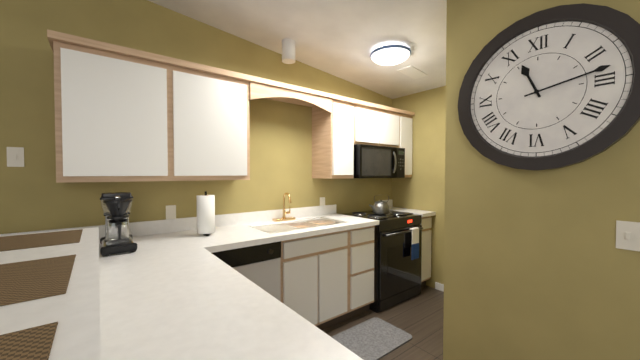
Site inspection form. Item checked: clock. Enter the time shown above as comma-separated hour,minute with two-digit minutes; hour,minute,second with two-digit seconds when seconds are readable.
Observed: 11,13
